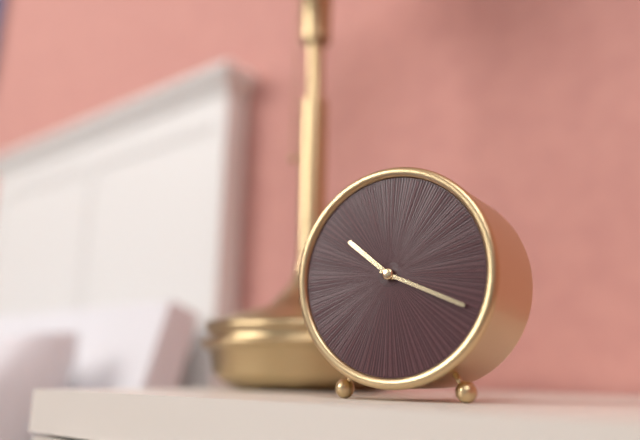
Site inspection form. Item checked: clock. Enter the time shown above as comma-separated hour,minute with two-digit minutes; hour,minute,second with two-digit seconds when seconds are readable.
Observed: 10,19
